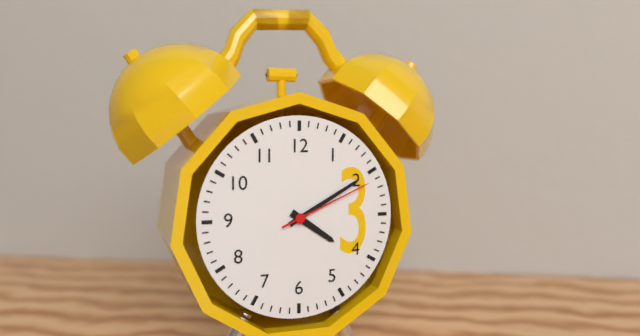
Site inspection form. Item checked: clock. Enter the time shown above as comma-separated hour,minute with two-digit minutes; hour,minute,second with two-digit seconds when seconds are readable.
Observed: 4,10,11
